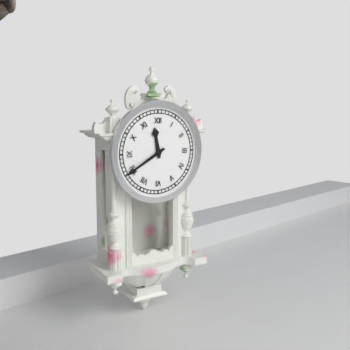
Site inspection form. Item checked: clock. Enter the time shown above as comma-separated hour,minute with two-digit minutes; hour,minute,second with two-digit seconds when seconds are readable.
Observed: 11,40
